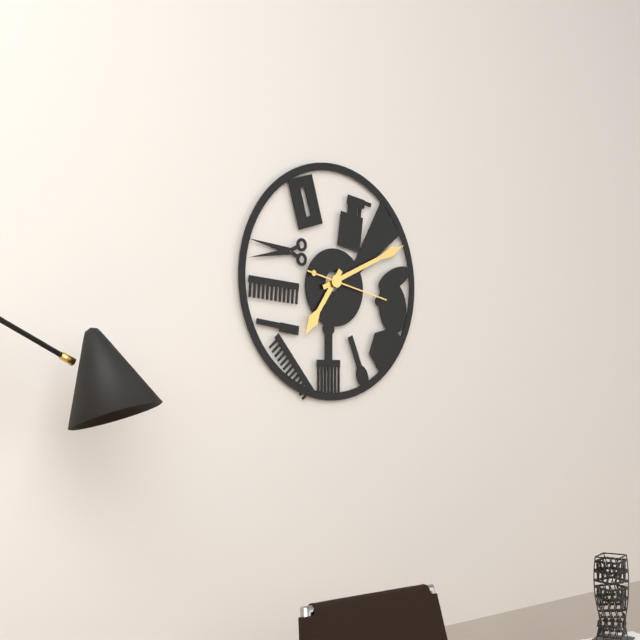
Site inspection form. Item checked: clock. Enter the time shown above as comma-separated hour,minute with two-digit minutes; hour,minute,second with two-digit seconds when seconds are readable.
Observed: 7,11,17
